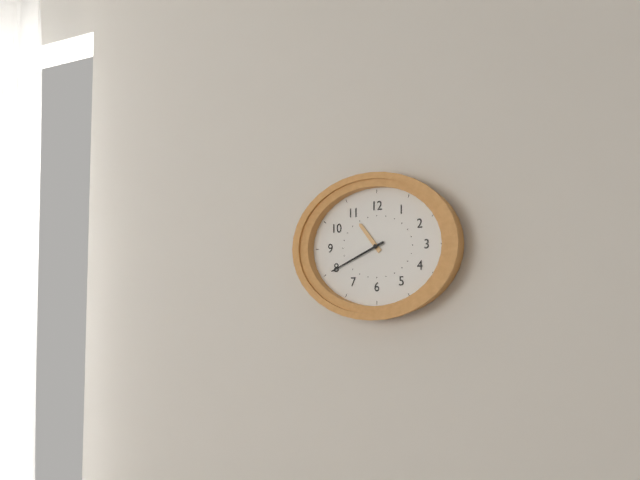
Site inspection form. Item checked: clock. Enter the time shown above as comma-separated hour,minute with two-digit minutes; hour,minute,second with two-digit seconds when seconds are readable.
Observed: 10,41
